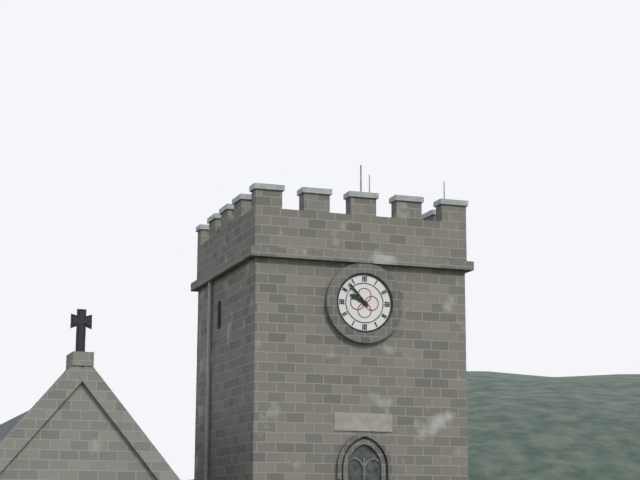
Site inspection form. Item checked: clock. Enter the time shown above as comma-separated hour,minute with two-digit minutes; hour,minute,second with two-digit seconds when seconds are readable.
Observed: 9,53
